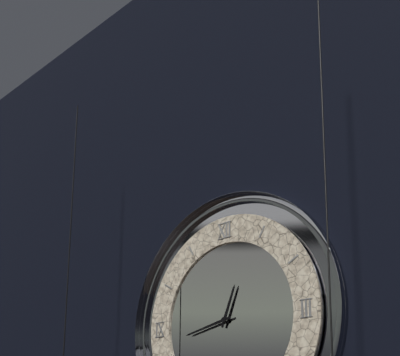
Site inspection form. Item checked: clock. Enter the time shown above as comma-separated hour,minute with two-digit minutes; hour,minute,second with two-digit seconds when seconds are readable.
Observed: 12,43
